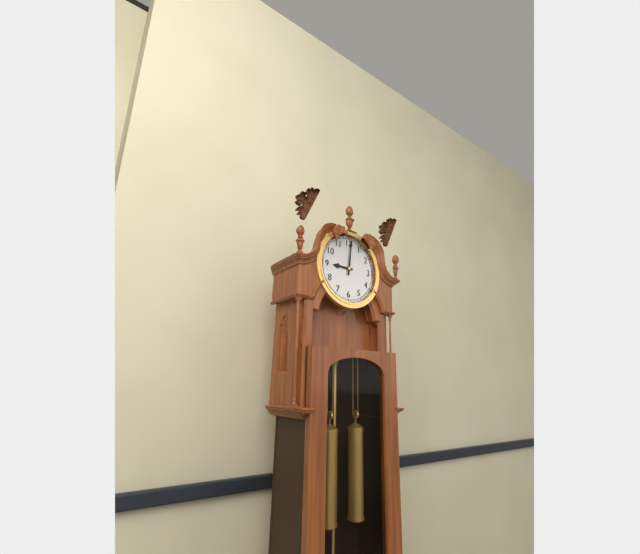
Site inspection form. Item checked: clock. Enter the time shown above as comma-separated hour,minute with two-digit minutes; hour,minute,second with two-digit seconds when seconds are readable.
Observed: 9,01
